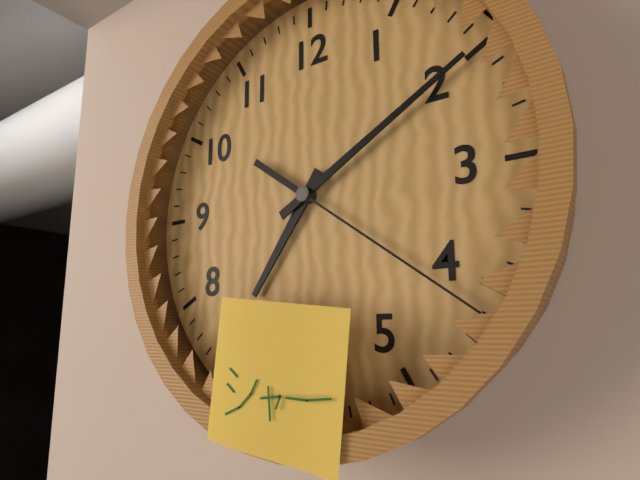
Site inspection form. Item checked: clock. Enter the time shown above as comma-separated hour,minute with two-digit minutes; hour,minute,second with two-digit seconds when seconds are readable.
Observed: 7,10,21
